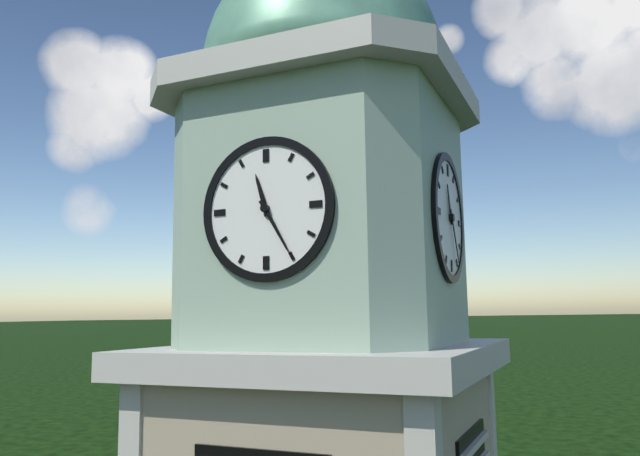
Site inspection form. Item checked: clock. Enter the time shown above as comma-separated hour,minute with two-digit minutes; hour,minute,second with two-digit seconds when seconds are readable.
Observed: 11,25
